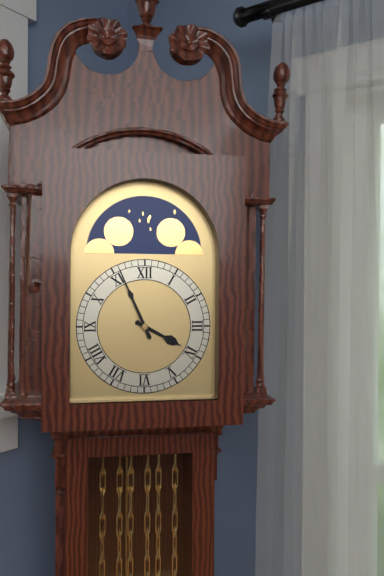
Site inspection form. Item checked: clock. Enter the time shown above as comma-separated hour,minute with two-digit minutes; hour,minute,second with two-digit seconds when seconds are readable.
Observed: 3,56
